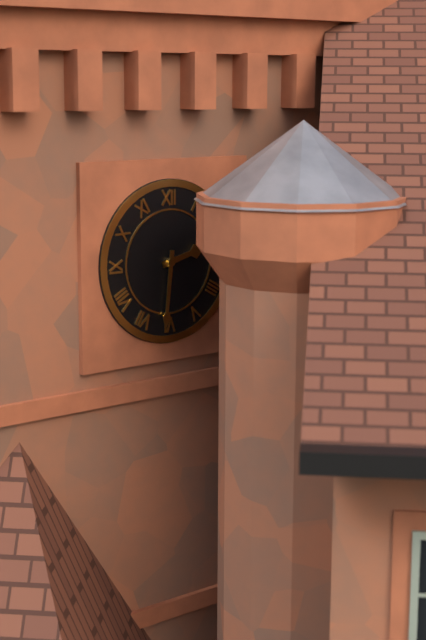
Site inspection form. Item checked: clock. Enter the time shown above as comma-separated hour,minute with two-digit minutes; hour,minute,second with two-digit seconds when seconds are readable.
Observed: 2,31
